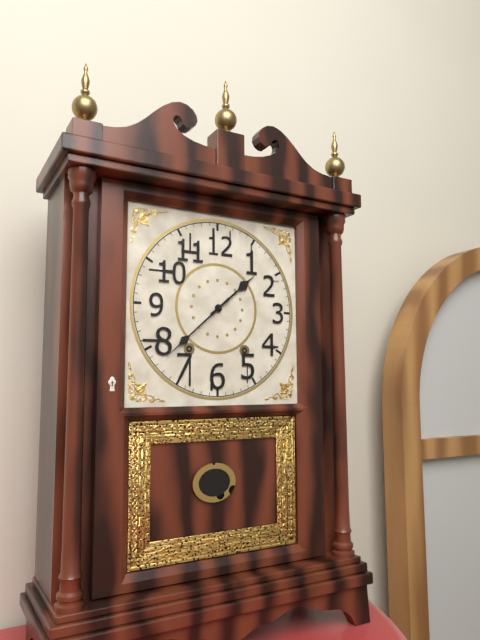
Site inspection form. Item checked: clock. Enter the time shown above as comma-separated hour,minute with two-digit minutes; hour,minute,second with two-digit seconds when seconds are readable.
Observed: 1,38
